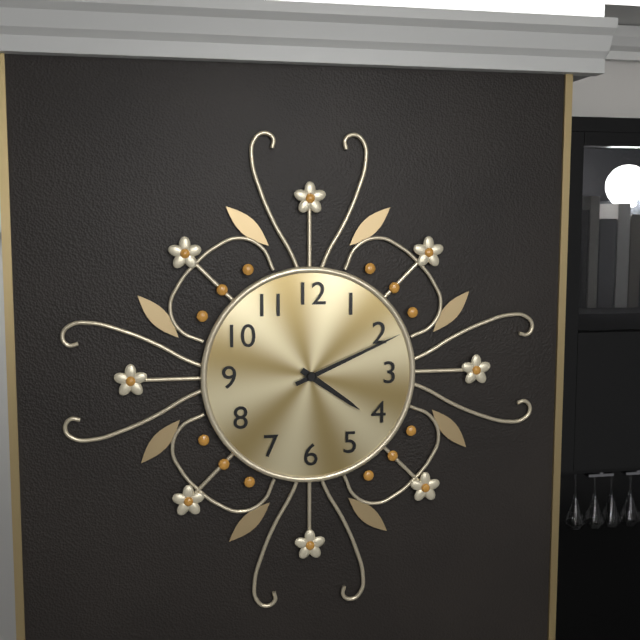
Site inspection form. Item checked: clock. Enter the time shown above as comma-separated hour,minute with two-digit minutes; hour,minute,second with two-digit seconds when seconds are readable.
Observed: 4,11
